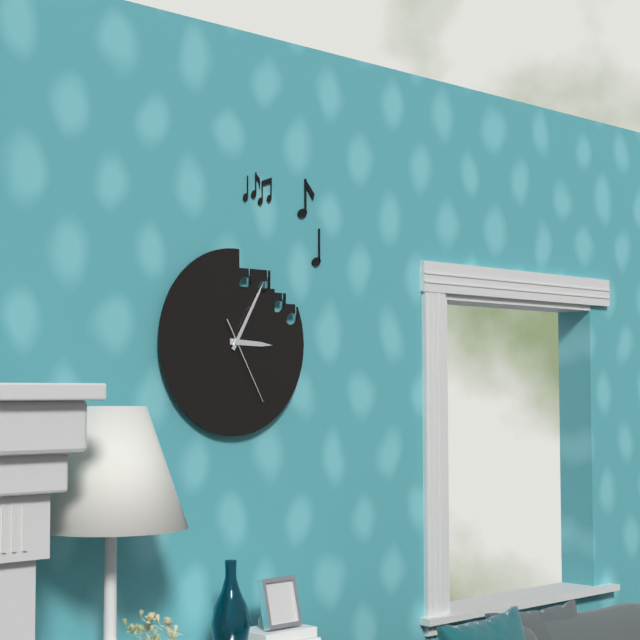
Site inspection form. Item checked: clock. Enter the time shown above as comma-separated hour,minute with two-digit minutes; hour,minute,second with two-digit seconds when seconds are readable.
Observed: 3,05,25
